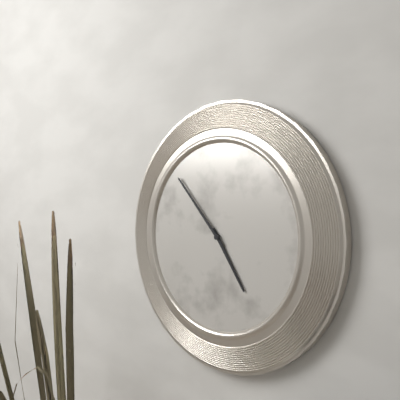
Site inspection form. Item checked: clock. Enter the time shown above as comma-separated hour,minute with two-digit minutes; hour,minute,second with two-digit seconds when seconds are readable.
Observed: 4,53
